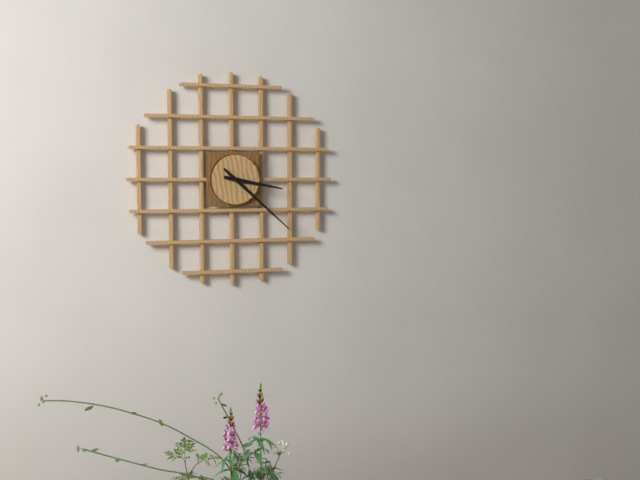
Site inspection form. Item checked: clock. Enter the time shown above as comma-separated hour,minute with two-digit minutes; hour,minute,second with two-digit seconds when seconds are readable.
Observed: 3,22
